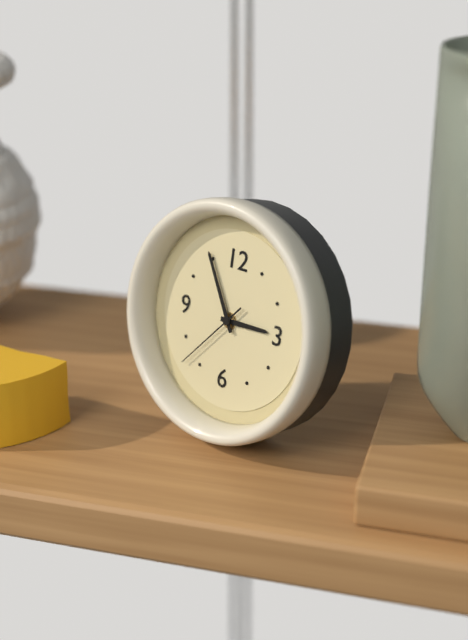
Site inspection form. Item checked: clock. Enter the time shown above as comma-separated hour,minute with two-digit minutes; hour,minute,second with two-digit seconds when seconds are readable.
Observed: 2,55,37
